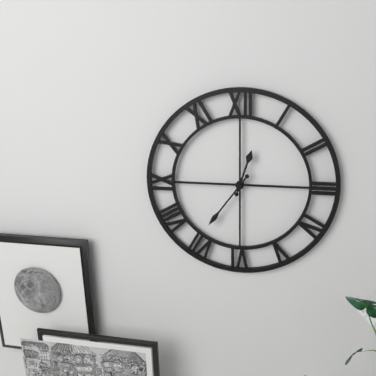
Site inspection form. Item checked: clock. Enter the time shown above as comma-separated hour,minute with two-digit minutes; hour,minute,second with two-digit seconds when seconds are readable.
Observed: 12,36
